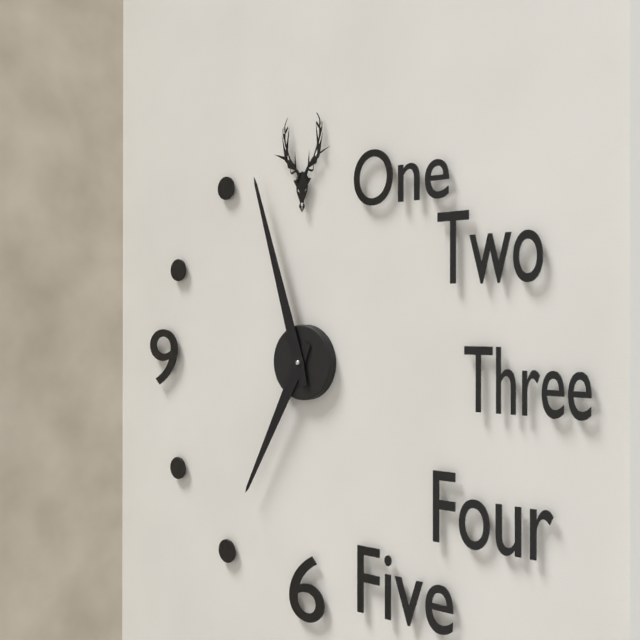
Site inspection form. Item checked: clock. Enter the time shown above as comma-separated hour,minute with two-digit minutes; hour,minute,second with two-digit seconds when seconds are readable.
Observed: 6,57
